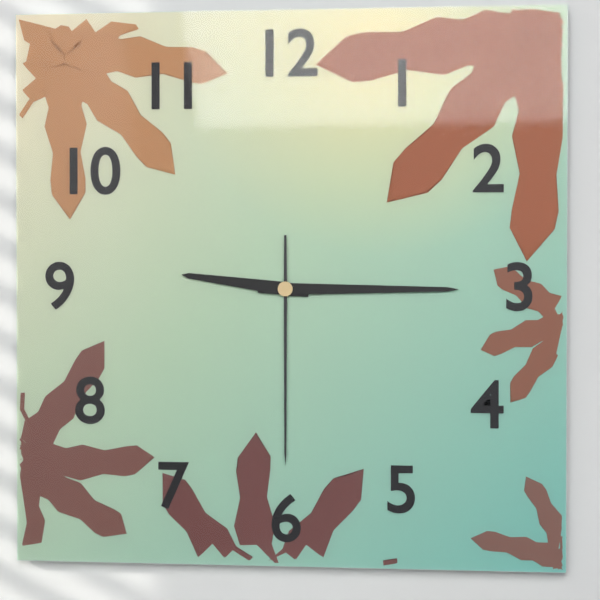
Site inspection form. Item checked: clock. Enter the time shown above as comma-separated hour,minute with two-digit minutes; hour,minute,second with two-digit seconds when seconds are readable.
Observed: 9,15,30
